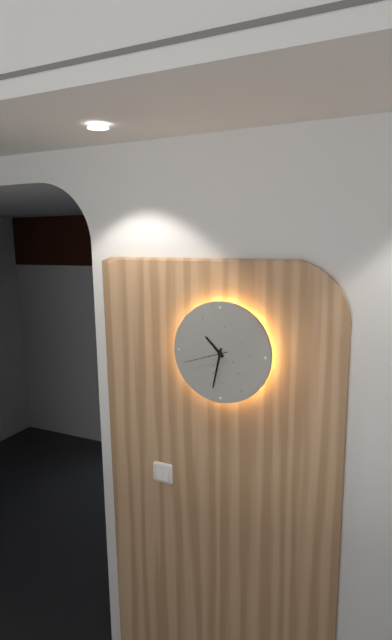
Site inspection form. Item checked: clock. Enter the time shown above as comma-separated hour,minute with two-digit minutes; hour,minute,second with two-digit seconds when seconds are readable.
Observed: 10,32
